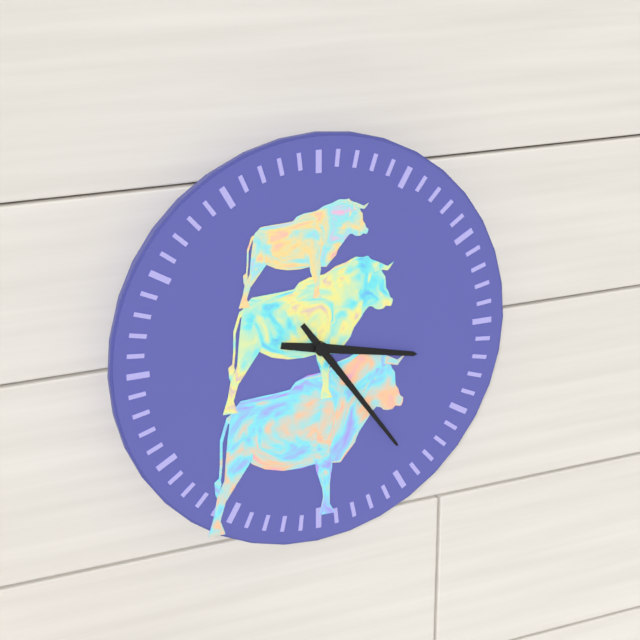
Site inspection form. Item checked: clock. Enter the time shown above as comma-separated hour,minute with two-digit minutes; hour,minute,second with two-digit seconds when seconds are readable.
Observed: 3,24
